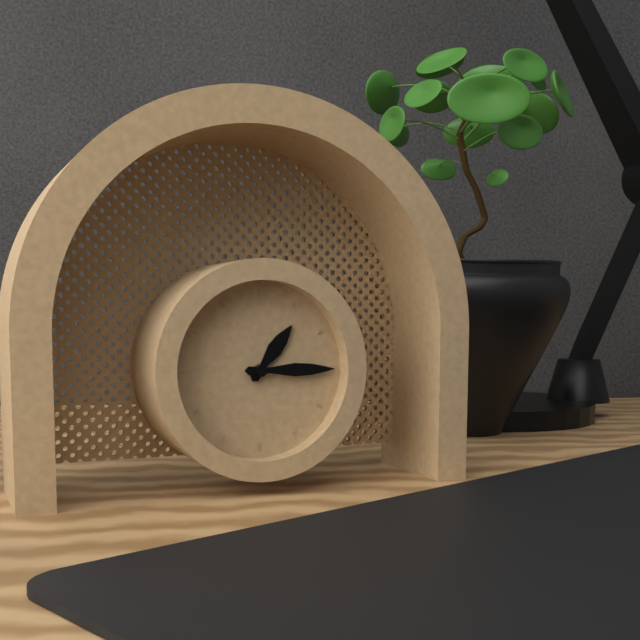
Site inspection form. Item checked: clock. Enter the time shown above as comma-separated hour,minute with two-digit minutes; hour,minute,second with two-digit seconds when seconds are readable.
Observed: 1,15
